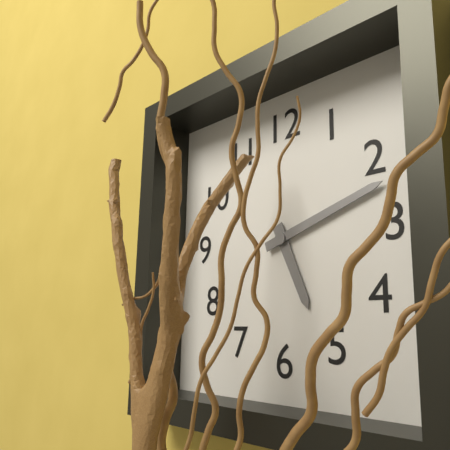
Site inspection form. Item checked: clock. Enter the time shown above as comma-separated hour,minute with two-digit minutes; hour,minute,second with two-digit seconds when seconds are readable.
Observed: 5,12
